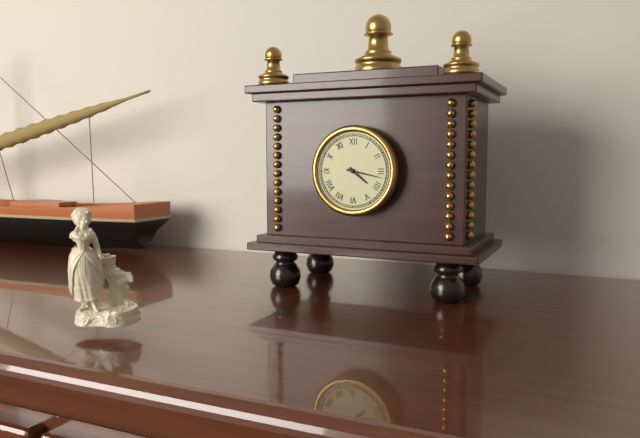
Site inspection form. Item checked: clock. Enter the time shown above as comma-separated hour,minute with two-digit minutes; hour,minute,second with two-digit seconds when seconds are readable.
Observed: 4,17
